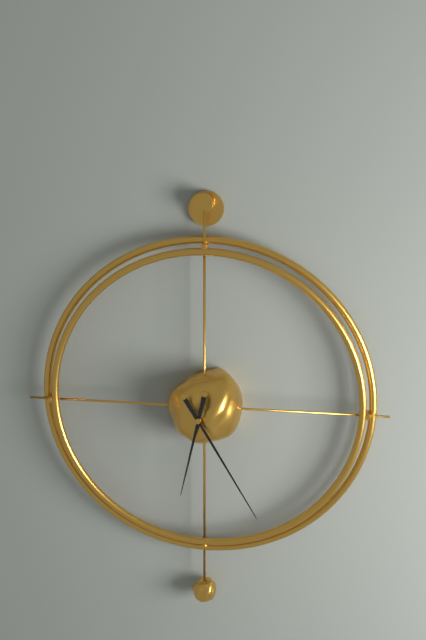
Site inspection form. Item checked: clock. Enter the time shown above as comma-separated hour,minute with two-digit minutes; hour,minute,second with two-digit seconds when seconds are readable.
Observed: 6,25
